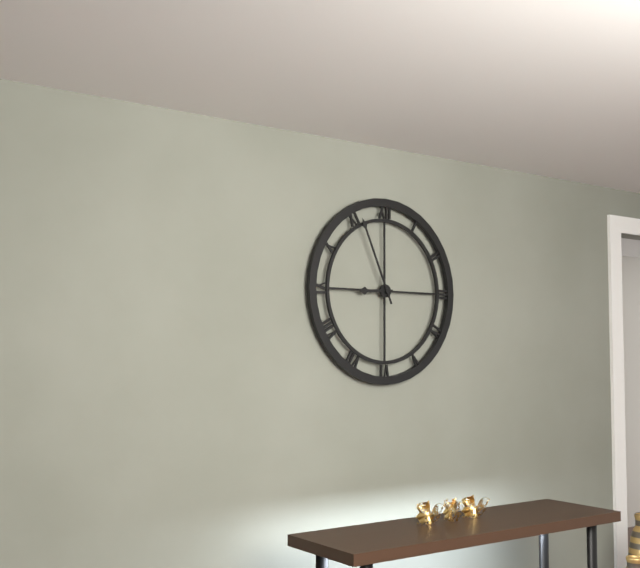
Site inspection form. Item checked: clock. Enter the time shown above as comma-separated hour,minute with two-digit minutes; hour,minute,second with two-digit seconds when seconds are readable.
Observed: 8,56
